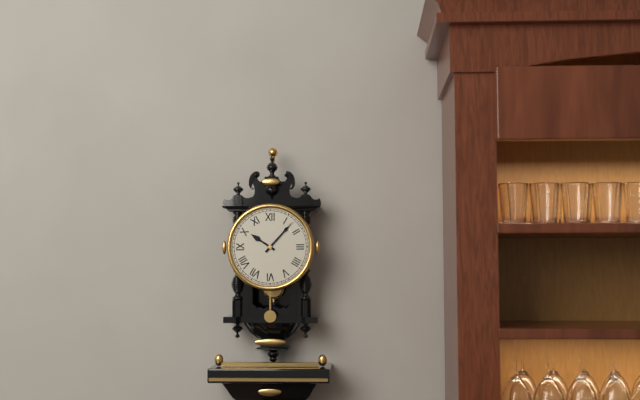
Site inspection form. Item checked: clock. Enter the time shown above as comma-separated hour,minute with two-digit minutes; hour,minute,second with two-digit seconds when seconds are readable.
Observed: 10,07
